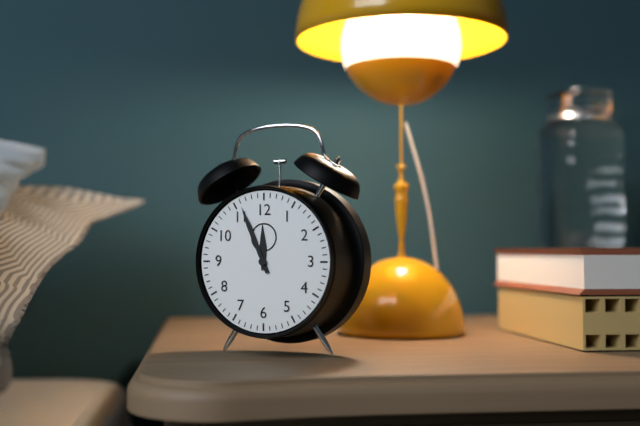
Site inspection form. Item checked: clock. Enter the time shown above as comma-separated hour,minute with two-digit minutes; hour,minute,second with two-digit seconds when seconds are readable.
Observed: 11,56
